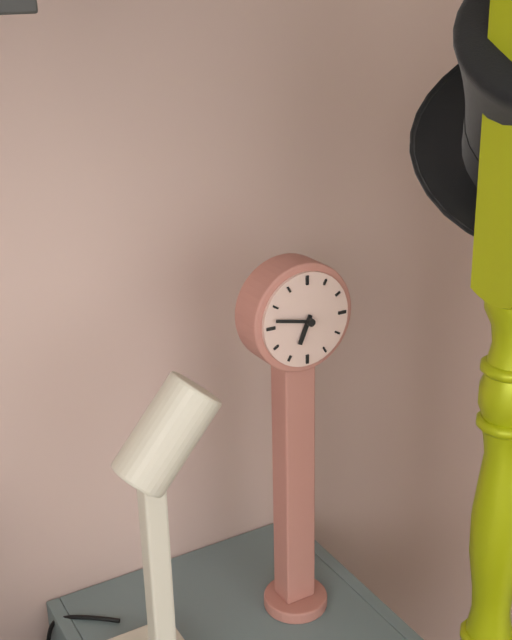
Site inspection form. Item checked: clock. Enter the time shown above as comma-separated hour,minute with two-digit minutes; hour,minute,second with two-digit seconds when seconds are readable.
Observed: 6,47
